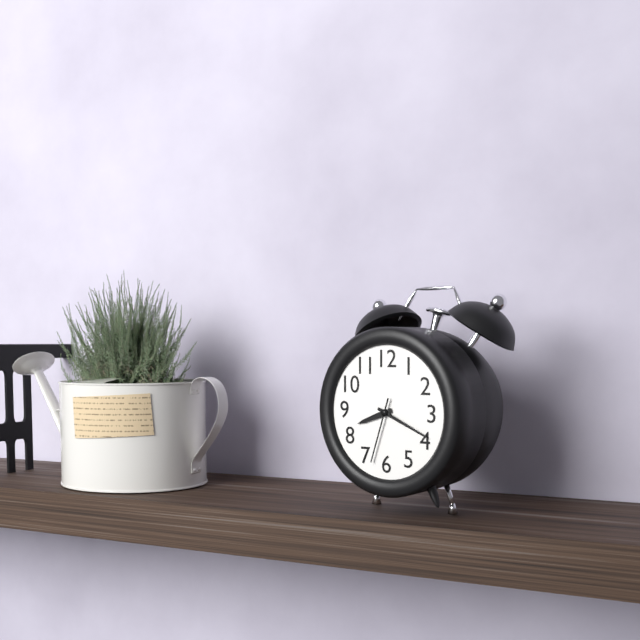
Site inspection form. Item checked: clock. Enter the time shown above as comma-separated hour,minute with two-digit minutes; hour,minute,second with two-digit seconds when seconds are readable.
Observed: 8,19,33
